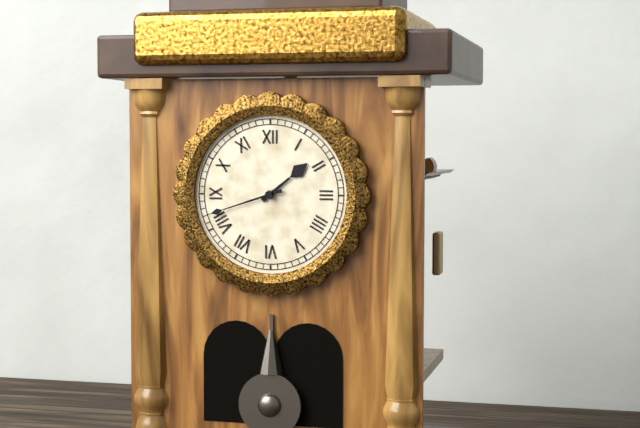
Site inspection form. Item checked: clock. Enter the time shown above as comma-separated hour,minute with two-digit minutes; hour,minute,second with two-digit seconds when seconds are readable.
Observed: 1,42
